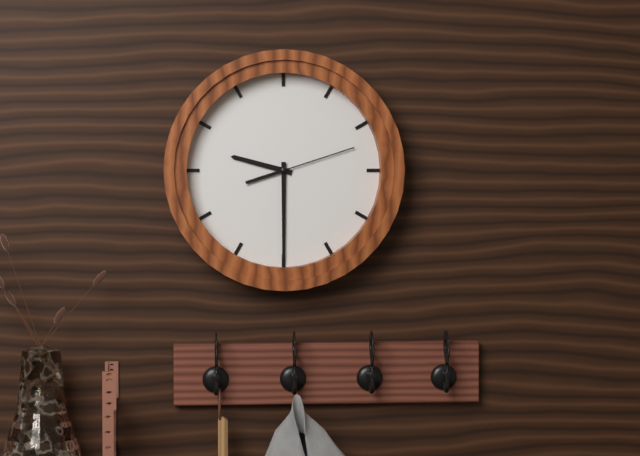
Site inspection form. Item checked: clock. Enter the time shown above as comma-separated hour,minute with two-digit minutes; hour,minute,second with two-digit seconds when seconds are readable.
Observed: 9,30,12
